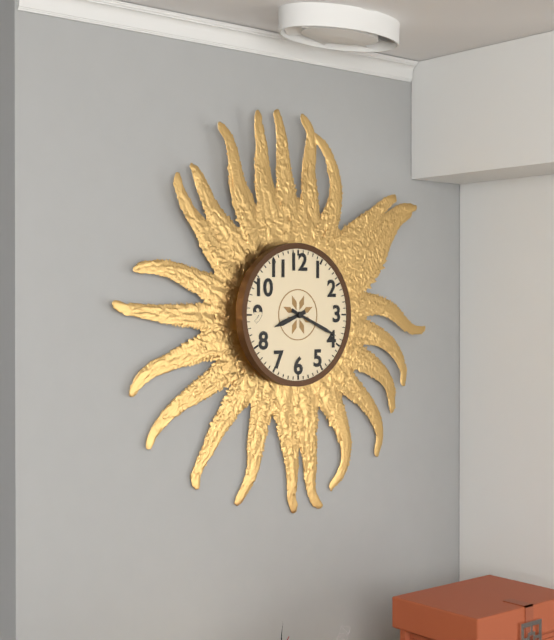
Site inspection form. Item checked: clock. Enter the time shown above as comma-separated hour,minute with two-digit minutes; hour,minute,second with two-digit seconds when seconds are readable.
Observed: 8,19
